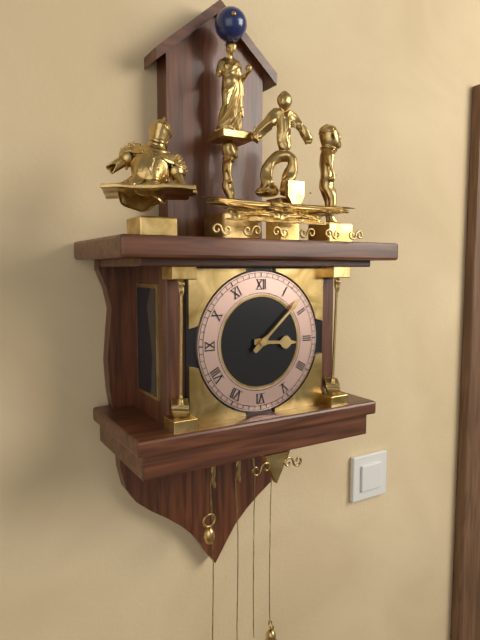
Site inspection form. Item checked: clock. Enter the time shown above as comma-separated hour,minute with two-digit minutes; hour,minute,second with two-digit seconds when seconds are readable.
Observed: 3,08
